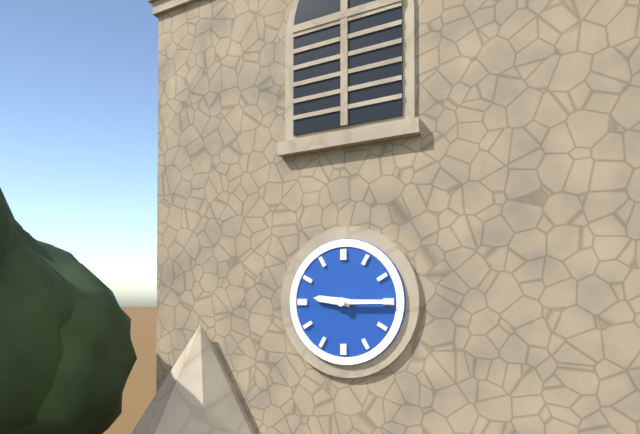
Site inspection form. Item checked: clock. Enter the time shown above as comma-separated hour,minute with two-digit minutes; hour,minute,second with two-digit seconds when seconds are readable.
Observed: 9,15
